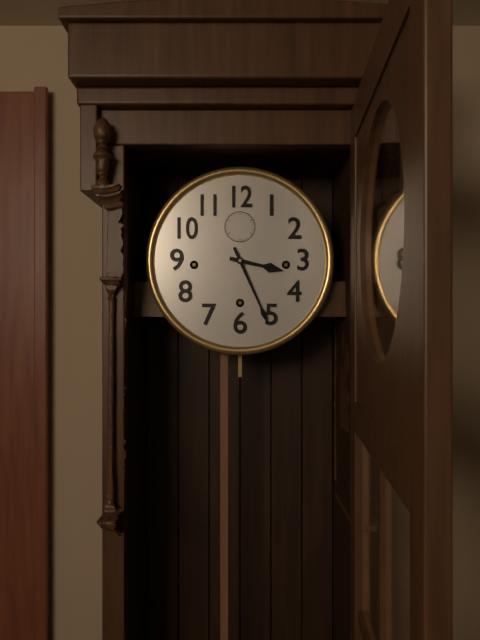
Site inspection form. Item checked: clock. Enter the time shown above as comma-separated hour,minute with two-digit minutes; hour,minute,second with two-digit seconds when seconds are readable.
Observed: 3,26
